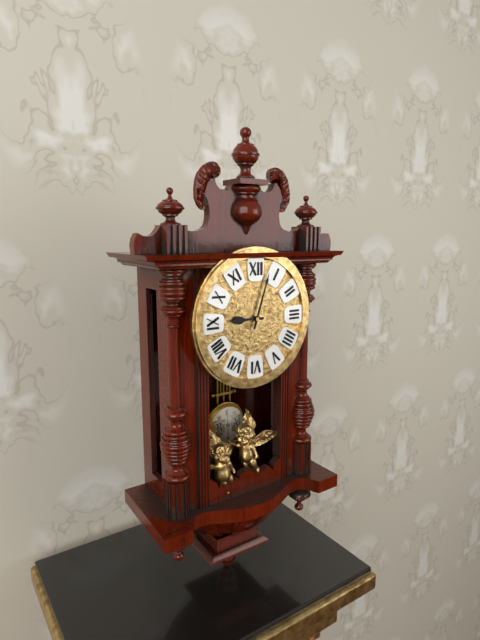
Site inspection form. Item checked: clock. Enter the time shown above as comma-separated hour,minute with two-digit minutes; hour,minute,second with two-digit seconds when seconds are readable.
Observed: 9,03
